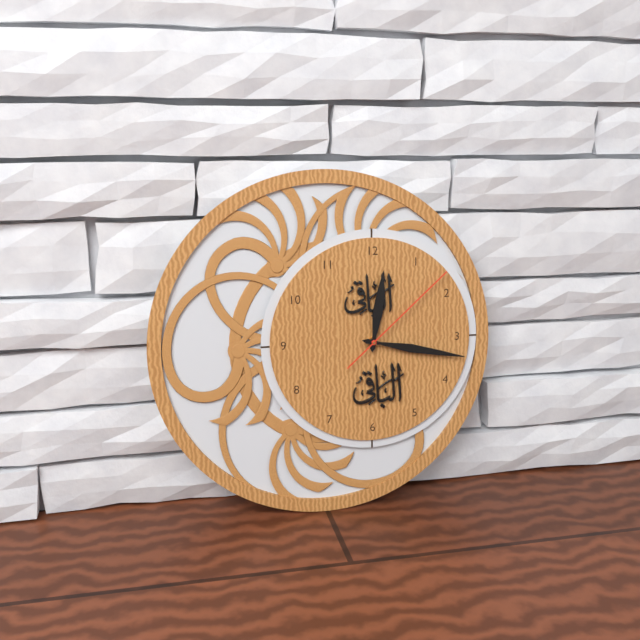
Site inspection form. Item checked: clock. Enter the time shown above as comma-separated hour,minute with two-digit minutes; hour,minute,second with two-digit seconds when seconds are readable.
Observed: 12,17,08
